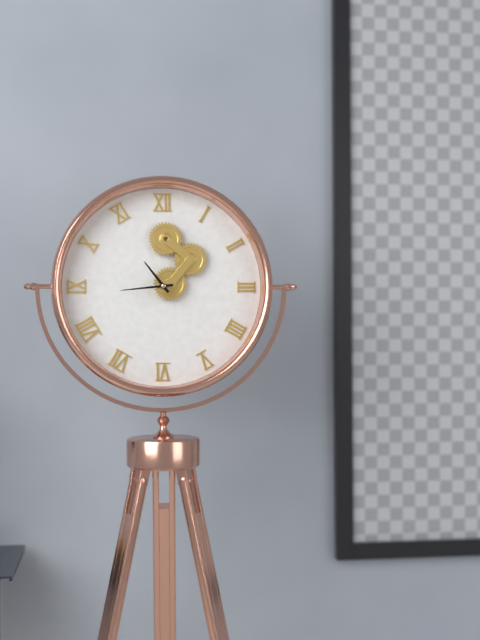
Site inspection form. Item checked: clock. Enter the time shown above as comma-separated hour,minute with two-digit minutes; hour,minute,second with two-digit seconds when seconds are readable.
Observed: 10,44
